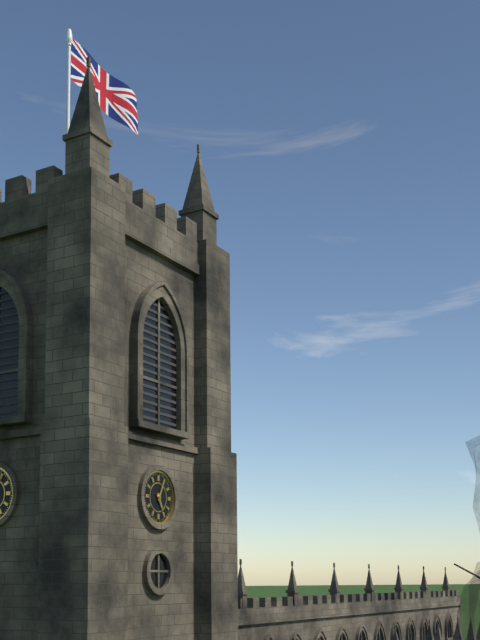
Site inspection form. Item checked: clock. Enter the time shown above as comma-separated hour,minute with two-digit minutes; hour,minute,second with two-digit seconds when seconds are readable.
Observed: 5,04
